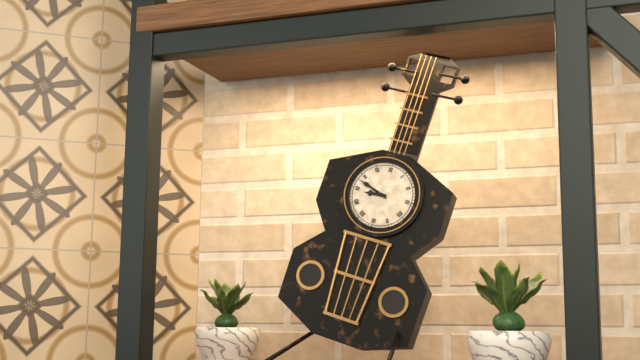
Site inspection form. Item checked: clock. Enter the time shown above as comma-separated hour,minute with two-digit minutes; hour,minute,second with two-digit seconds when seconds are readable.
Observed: 8,48
